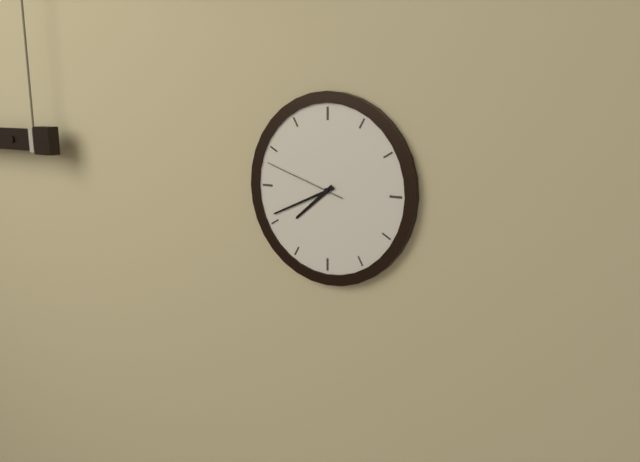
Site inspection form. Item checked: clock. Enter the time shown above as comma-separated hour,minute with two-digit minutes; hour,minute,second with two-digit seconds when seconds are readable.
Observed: 7,41,48
